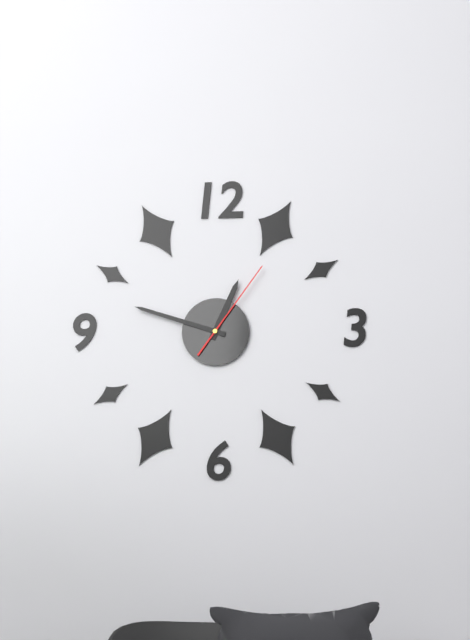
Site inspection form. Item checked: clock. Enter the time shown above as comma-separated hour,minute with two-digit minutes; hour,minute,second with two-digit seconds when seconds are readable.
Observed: 12,48,06
